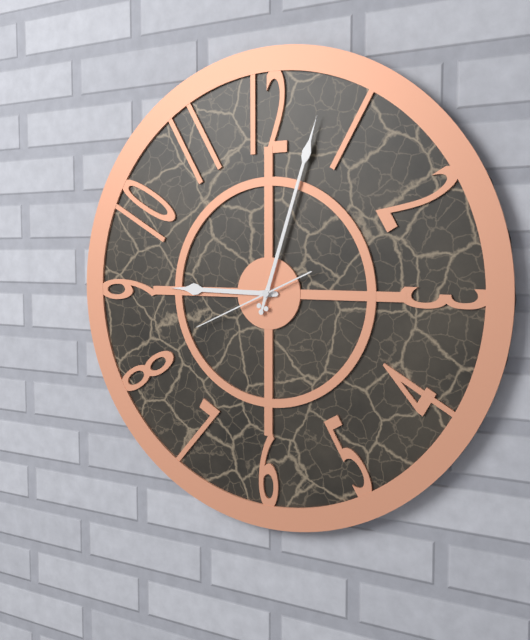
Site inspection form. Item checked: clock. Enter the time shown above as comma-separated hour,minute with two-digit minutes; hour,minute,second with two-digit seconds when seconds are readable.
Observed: 9,03,41
